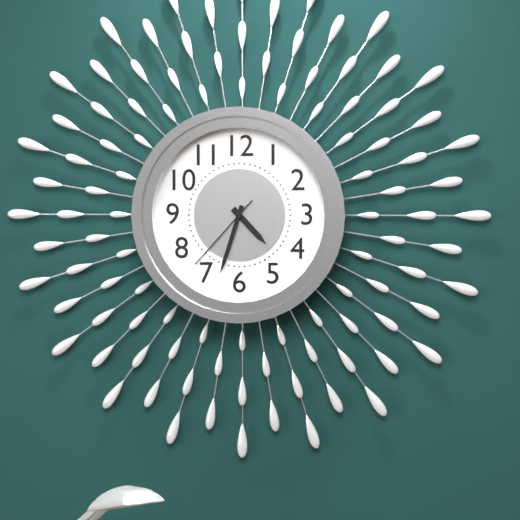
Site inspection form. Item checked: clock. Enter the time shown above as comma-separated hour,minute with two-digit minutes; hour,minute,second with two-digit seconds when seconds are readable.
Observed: 4,33,37
